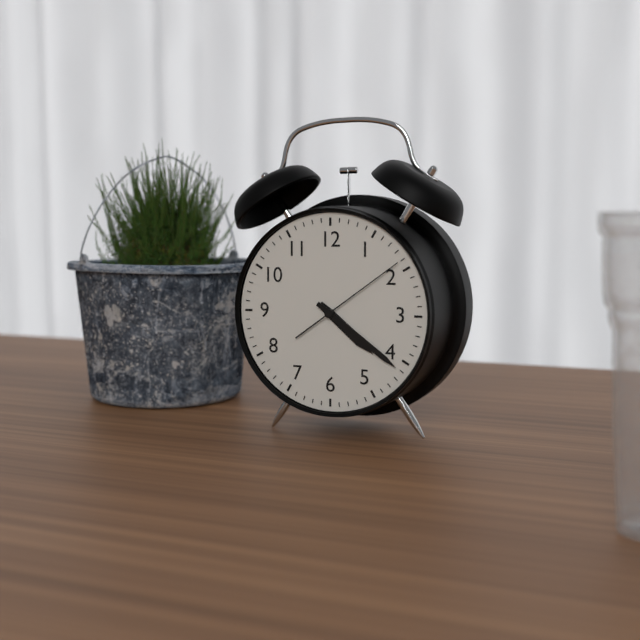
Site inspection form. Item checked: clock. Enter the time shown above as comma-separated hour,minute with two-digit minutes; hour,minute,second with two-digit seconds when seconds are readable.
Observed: 4,21,09
